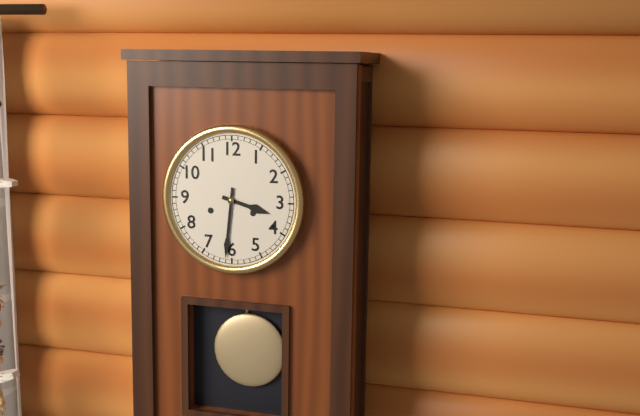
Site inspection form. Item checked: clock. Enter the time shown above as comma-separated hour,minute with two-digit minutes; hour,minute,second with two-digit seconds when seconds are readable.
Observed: 3,31
